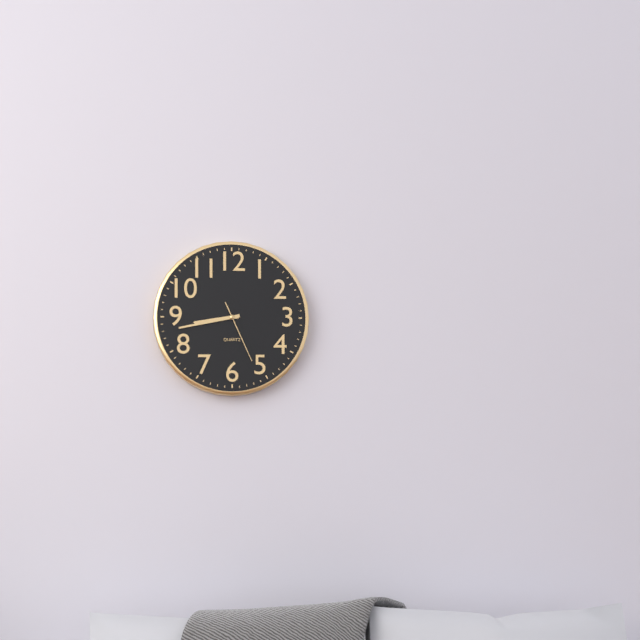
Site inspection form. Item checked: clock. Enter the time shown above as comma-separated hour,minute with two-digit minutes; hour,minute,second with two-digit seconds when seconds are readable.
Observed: 8,43,26
